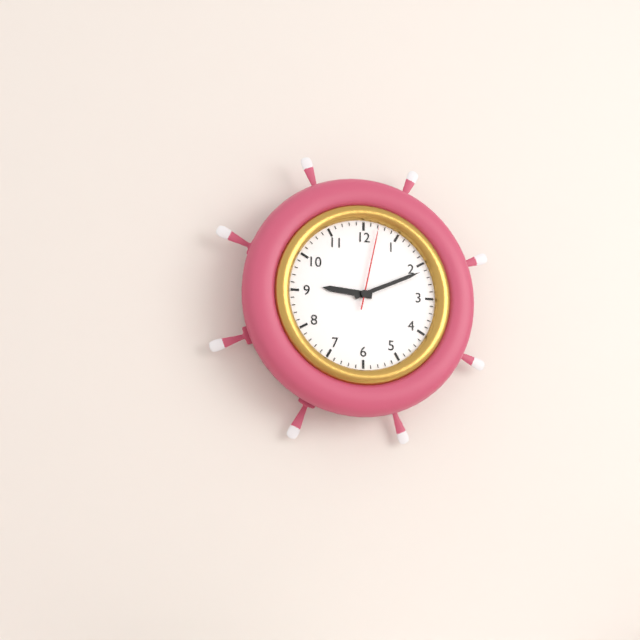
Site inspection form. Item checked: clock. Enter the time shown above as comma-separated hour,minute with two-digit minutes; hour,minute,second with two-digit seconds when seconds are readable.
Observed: 9,11,02
